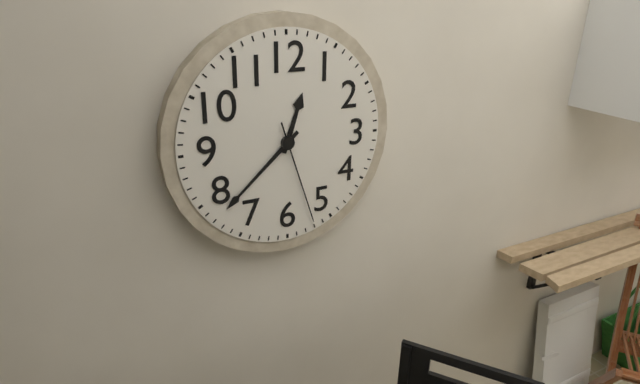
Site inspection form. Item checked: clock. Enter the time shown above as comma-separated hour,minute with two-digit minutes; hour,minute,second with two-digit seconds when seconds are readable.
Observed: 12,38,27
